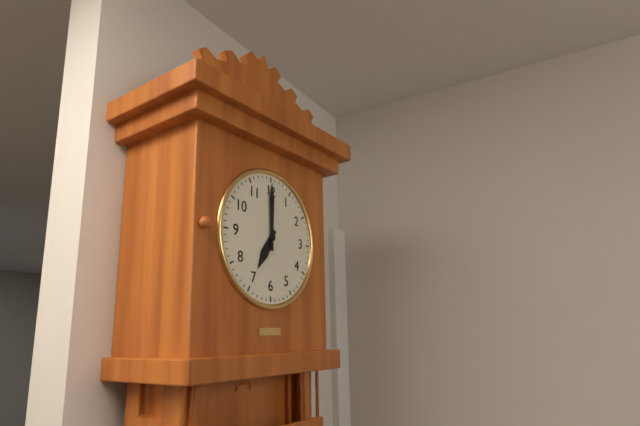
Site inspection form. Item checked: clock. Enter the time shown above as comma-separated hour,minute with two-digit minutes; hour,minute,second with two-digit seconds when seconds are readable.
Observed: 7,00
